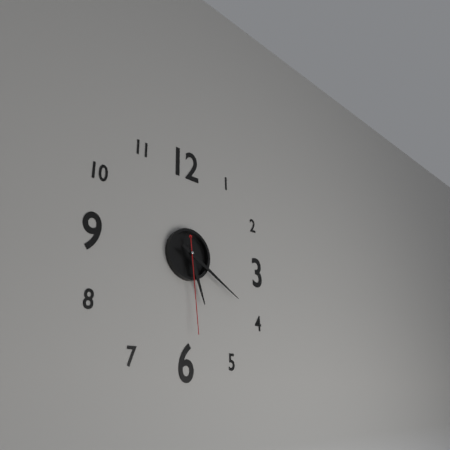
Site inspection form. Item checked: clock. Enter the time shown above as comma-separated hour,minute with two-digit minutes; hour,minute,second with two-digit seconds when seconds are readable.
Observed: 5,20,29
